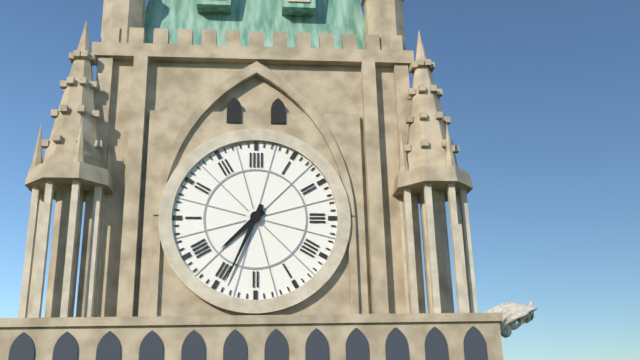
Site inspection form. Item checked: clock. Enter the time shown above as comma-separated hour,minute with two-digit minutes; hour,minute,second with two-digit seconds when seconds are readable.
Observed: 7,34
